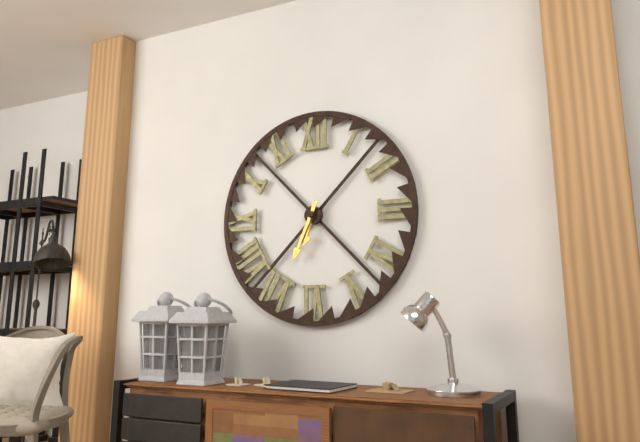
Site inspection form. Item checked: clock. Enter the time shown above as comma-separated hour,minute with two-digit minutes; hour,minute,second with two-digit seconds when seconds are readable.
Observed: 6,34
